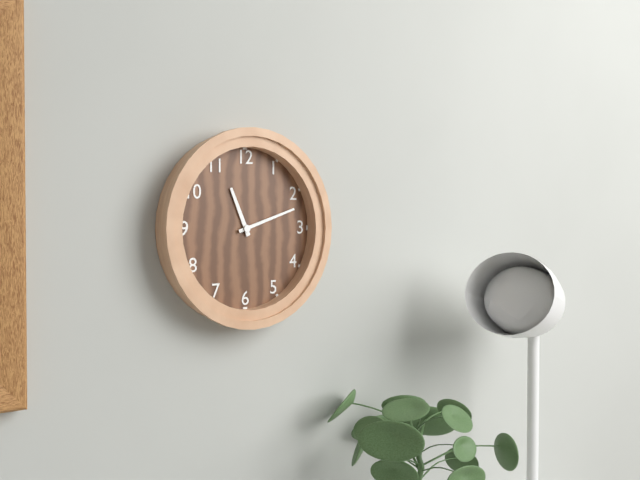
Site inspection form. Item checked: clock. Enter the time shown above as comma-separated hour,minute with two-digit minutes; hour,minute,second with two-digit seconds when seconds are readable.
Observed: 11,12
